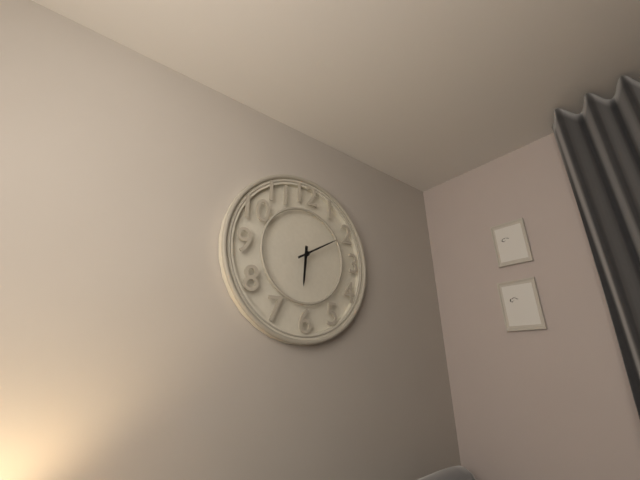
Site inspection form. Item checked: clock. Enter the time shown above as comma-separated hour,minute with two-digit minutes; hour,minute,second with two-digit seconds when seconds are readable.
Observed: 6,10
